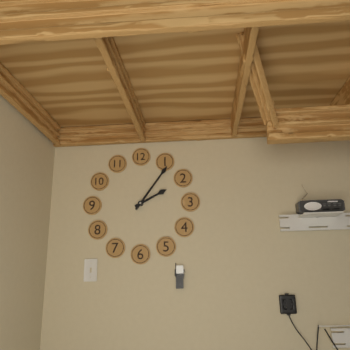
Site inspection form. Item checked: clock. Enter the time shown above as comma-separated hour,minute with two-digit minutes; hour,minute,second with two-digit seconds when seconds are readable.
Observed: 2,06
